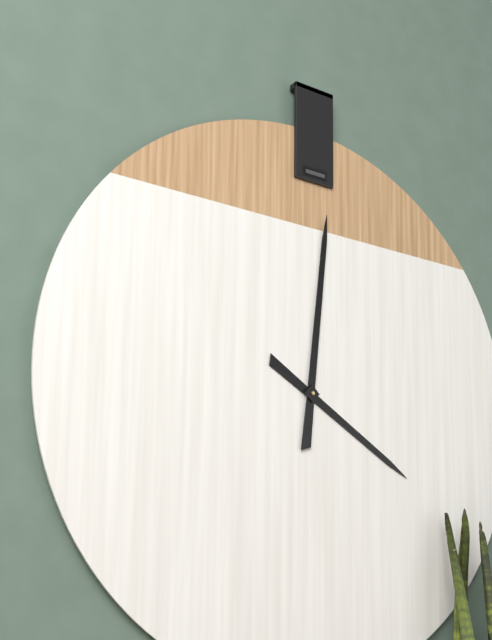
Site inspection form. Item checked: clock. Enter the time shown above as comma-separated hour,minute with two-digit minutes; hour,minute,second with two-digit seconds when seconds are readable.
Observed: 4,01
